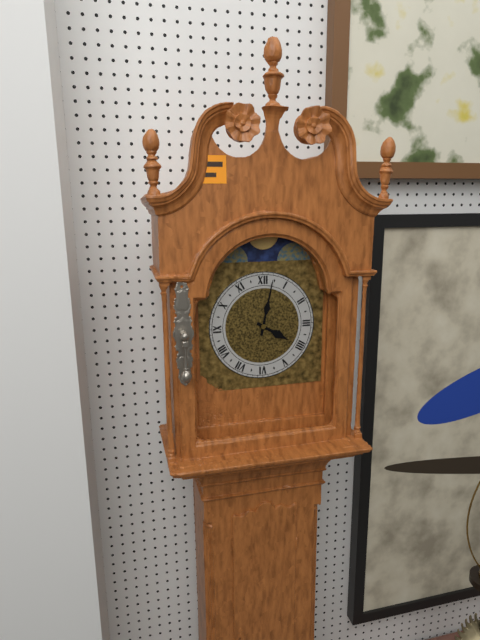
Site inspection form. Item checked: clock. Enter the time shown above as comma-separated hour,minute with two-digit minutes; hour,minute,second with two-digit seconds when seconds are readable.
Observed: 4,02
